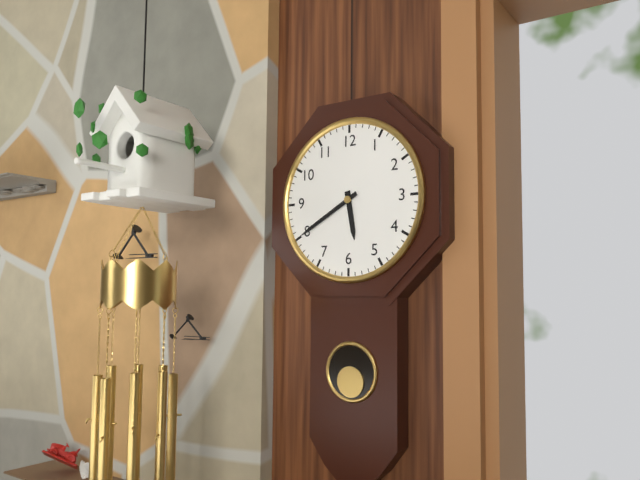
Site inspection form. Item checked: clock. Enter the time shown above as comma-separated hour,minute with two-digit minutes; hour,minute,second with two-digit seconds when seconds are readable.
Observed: 5,40
